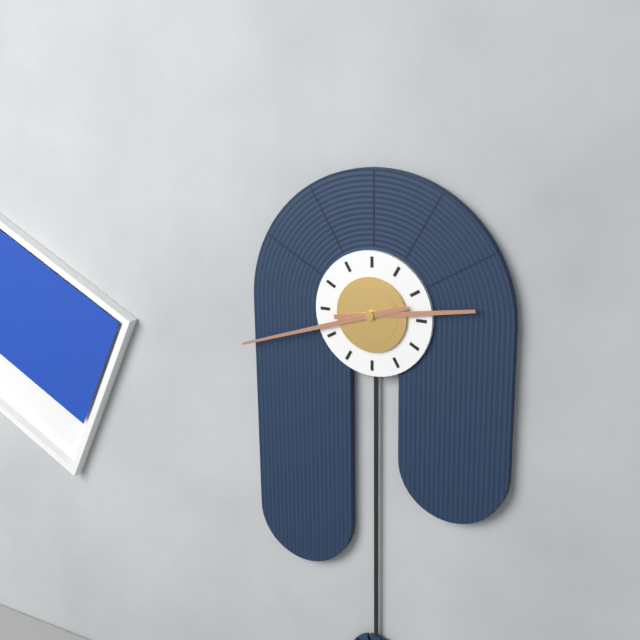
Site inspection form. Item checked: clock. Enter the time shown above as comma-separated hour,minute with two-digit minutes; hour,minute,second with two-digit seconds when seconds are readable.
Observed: 2,42
